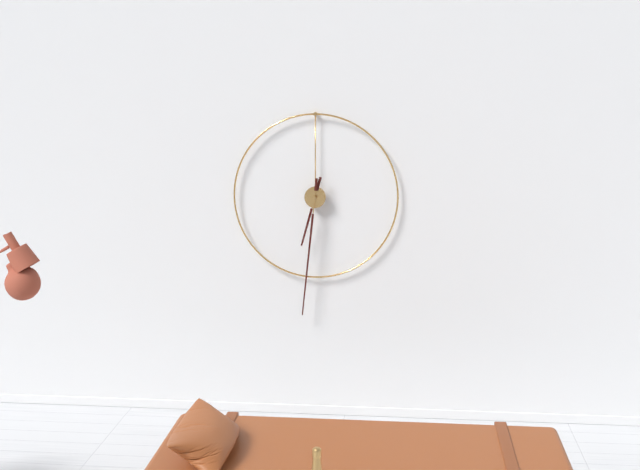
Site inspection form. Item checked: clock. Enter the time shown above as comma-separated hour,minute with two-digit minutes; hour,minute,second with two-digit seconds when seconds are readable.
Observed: 6,31
